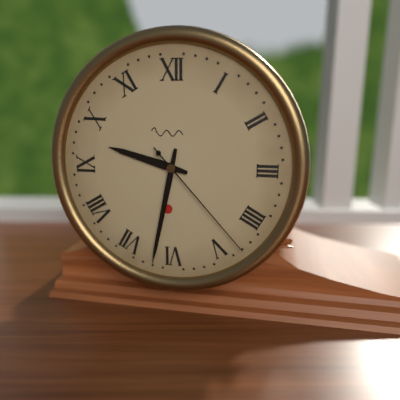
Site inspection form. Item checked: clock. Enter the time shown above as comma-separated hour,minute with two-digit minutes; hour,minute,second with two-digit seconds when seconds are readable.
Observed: 9,32,23
